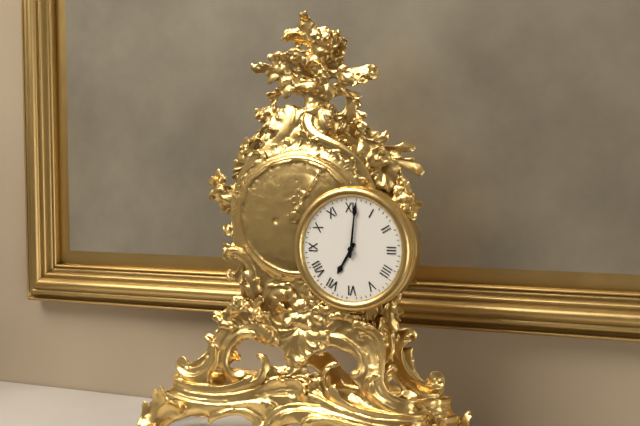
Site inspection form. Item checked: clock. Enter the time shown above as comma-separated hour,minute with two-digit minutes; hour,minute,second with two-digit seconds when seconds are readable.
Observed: 7,01
